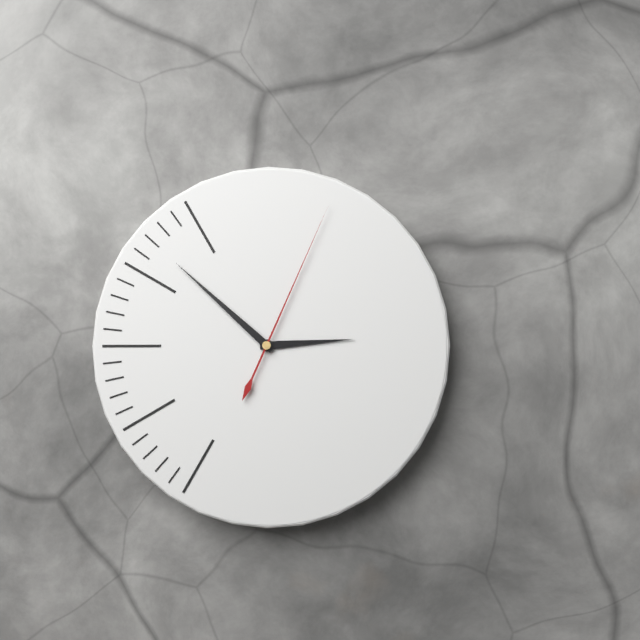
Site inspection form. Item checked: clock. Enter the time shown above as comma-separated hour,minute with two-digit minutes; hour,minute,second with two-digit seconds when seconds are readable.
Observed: 2,52,04
